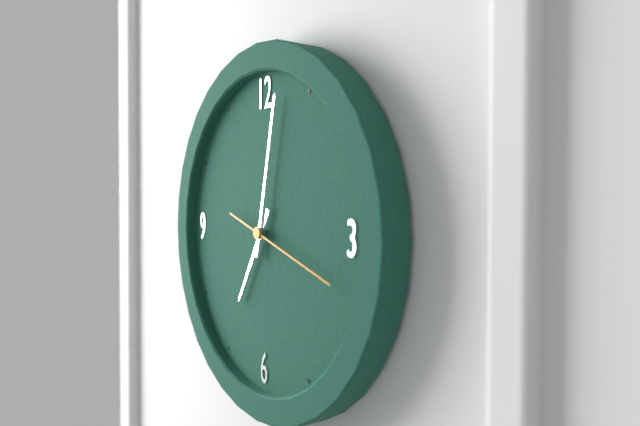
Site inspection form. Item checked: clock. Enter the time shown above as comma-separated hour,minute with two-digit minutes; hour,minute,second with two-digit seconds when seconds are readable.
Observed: 7,02,18
